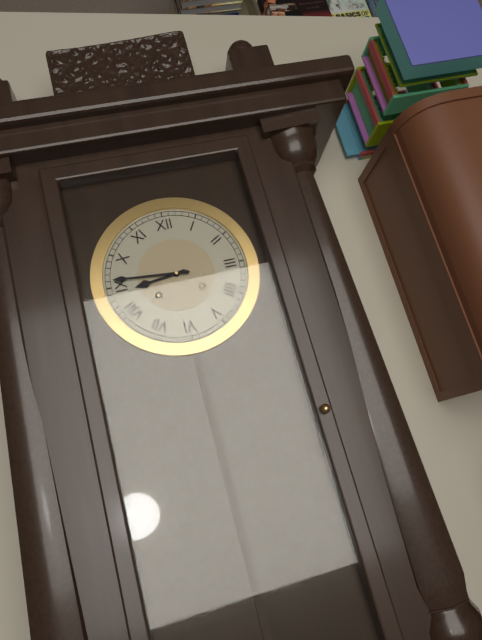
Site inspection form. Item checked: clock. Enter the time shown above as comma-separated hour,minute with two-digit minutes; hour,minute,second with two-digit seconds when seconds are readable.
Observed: 8,46
